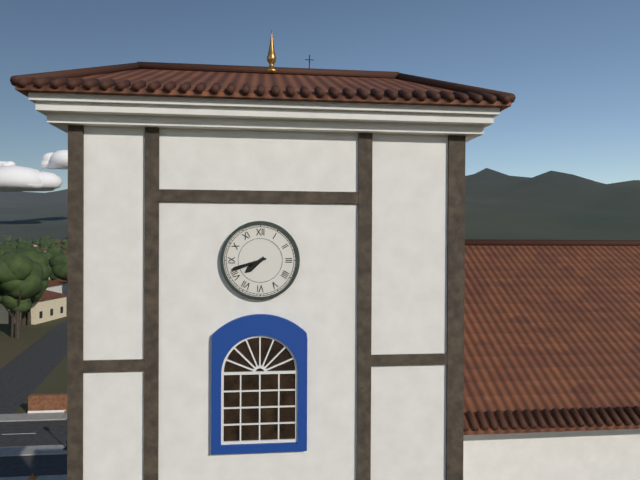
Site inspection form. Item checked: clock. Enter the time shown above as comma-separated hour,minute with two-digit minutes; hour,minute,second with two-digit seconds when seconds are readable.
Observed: 7,42
